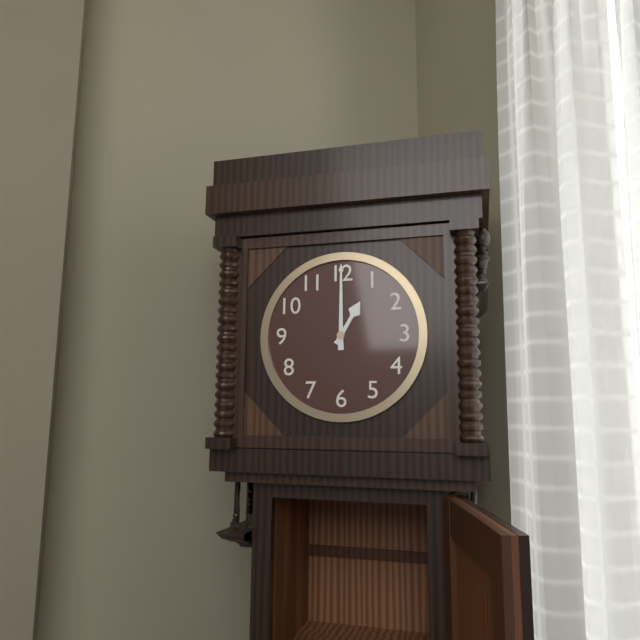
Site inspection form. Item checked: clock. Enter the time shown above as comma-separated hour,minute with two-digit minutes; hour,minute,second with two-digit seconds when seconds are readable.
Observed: 1,00
